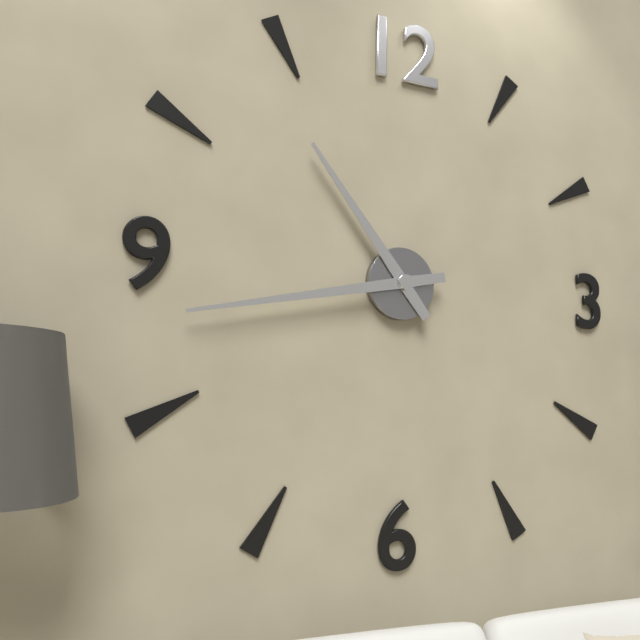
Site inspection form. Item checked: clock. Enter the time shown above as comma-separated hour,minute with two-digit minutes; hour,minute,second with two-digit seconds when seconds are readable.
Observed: 10,43
